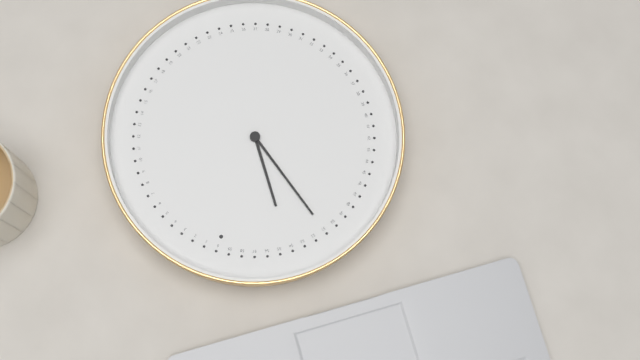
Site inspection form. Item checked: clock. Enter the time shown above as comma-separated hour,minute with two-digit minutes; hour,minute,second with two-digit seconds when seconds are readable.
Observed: 10,51
